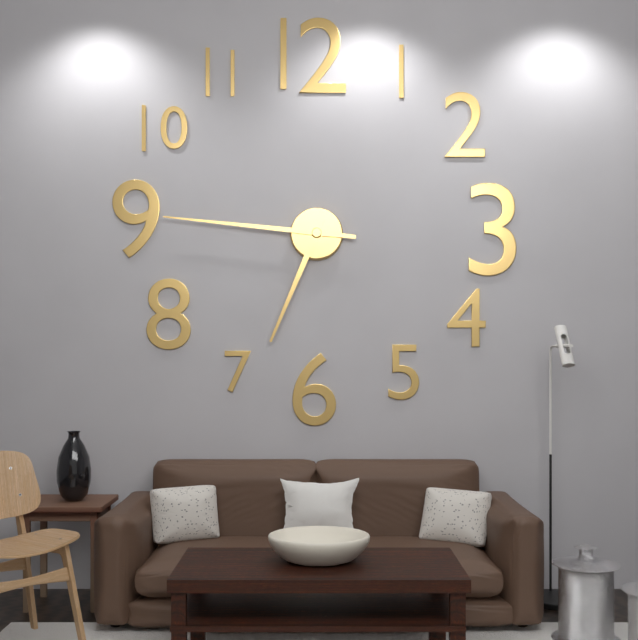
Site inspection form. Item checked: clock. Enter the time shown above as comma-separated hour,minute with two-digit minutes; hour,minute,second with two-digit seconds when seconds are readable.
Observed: 6,46
